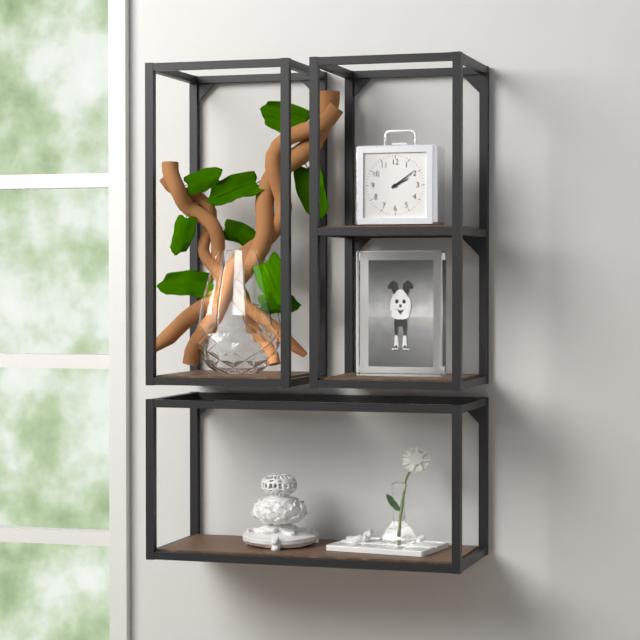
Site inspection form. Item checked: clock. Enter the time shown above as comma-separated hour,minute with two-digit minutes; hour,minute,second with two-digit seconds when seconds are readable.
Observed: 2,09
